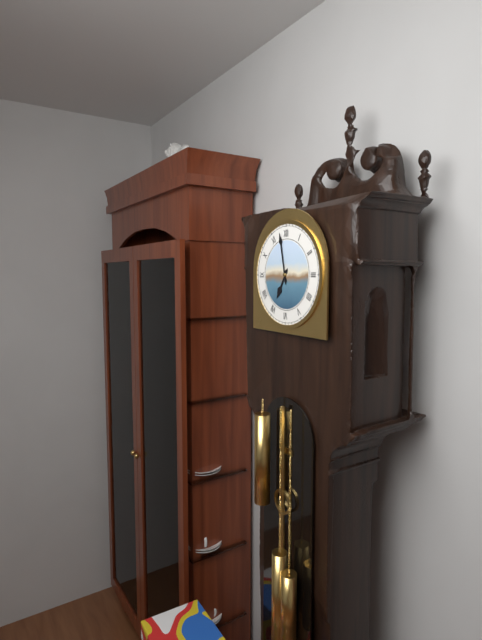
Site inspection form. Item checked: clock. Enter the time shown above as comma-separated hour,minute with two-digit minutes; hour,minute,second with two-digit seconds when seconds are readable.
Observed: 6,58
